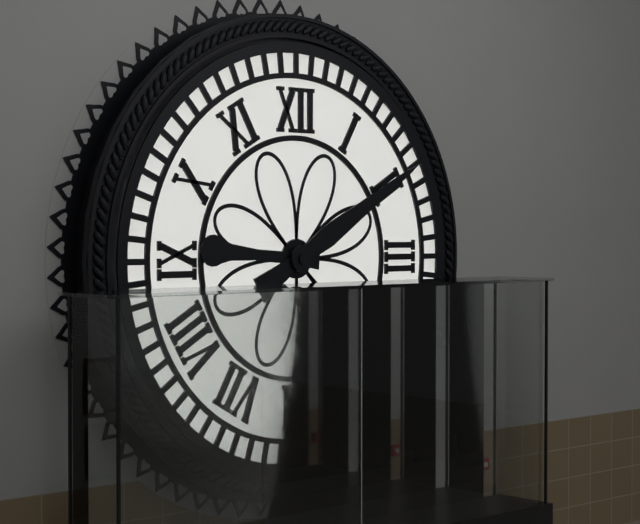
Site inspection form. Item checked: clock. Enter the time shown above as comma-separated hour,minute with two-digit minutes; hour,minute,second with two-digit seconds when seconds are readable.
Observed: 9,10
